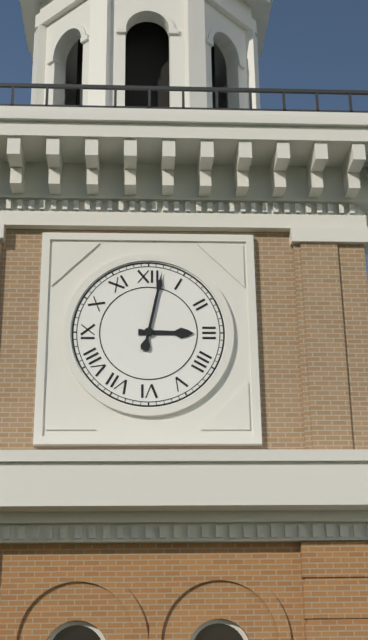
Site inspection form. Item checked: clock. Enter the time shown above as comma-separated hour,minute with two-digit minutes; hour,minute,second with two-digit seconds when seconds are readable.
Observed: 3,02
